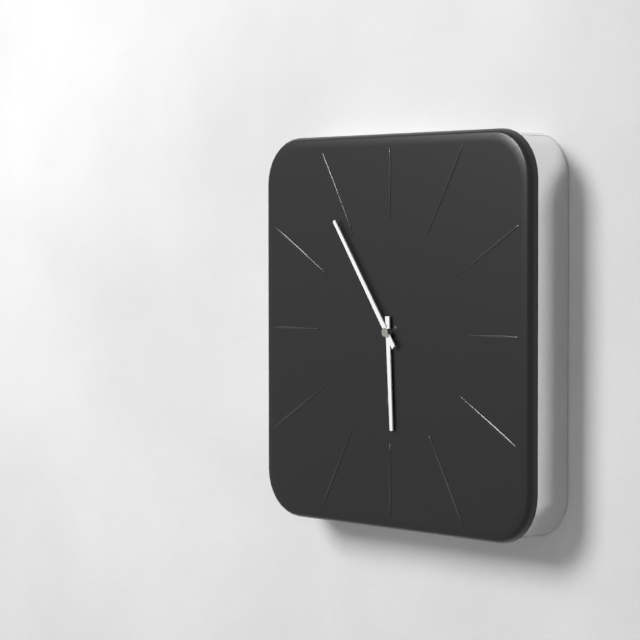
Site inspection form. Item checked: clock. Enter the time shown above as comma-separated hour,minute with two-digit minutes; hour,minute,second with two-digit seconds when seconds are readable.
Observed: 5,54
